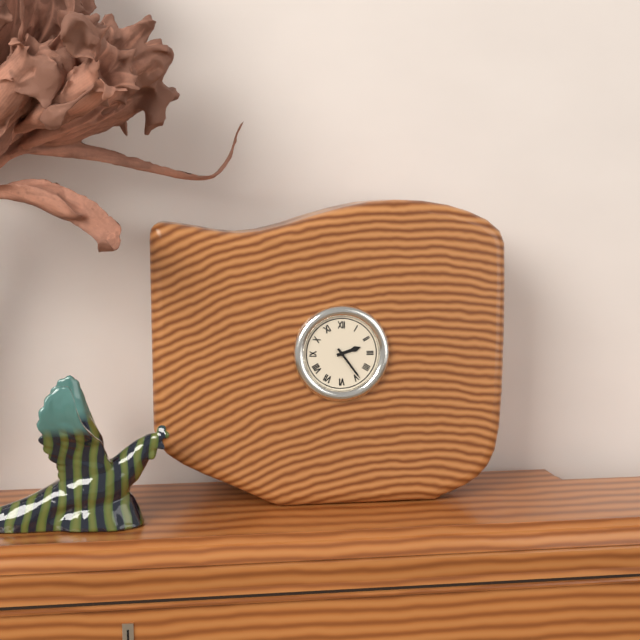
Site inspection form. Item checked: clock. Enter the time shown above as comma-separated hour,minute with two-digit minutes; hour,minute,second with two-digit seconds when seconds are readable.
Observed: 2,24
